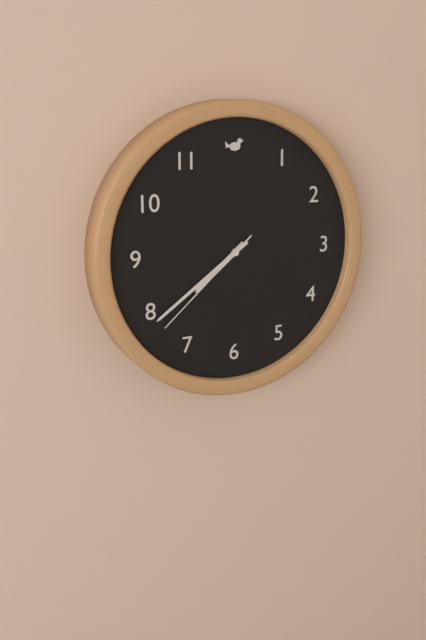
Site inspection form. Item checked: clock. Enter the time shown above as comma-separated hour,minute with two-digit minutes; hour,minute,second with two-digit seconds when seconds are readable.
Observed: 7,39,38
